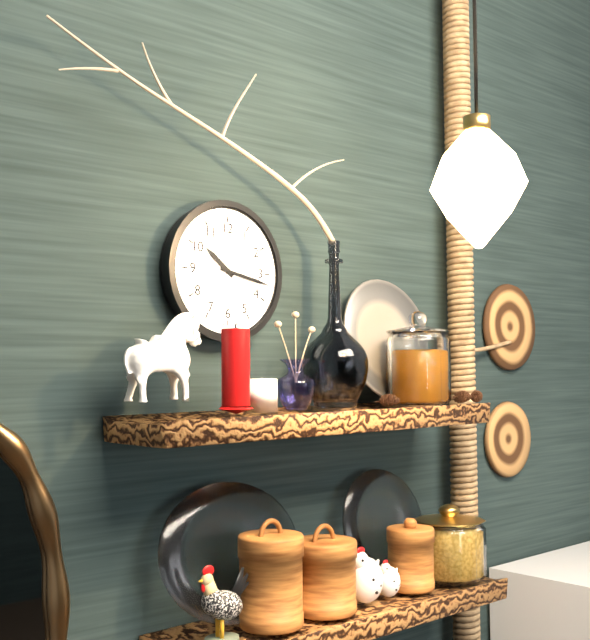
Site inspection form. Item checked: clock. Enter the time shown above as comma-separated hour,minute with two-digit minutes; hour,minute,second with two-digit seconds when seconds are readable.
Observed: 10,17
